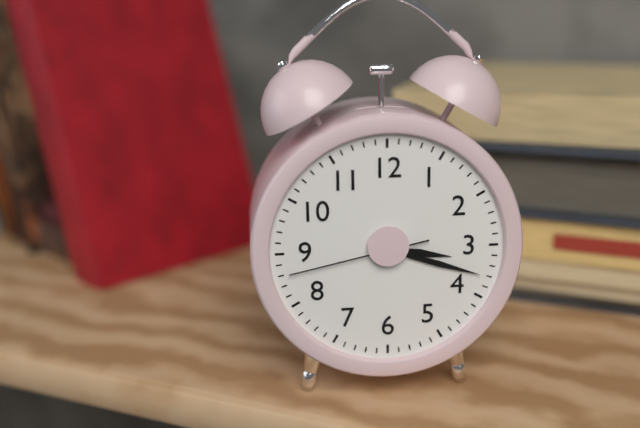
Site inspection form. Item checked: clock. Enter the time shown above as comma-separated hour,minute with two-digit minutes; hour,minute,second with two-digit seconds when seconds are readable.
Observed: 3,18,43
